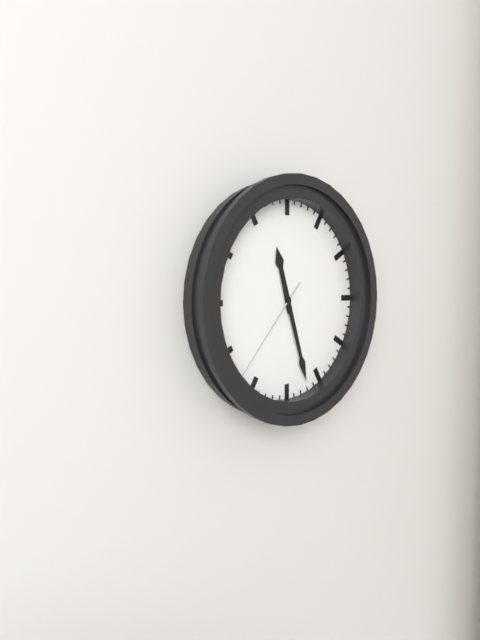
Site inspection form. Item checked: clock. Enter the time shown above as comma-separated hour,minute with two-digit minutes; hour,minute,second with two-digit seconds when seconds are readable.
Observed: 11,27,37
